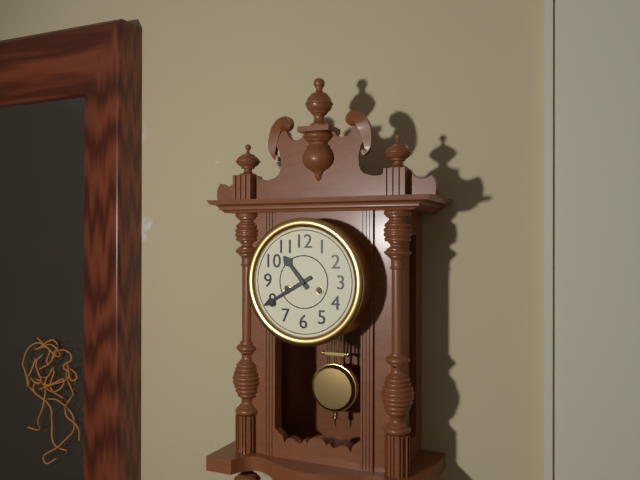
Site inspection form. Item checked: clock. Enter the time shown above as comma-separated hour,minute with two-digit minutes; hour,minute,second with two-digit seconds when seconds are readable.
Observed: 10,40
